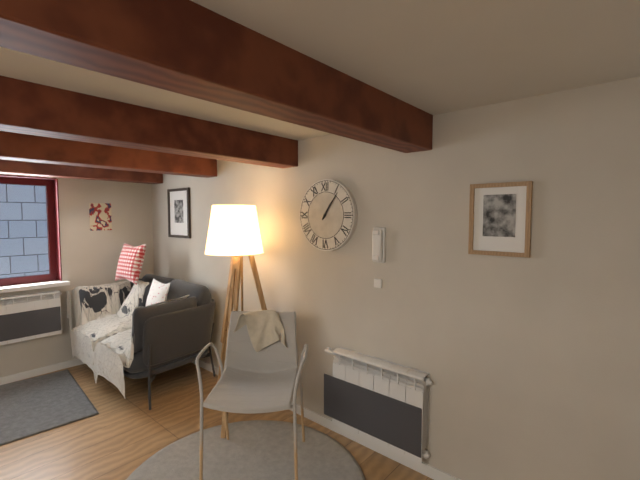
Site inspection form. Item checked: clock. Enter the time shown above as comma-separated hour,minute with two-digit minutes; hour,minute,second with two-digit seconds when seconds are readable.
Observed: 1,06
